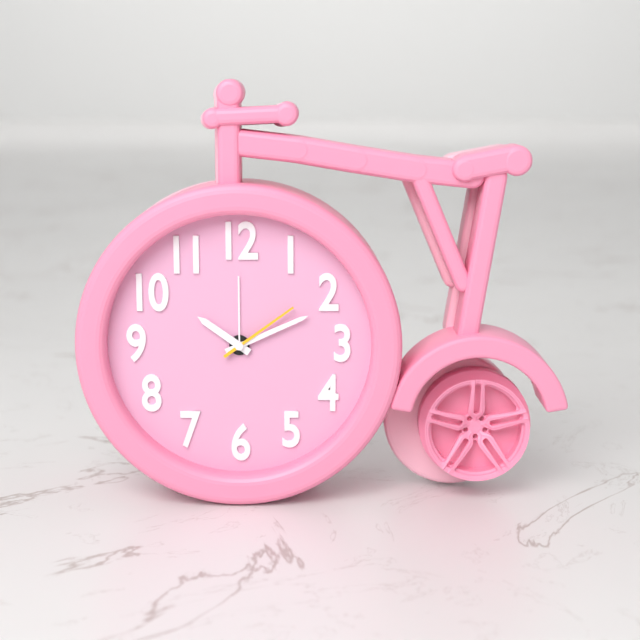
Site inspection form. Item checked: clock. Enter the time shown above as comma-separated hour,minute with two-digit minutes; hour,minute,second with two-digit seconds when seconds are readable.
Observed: 10,11,09
